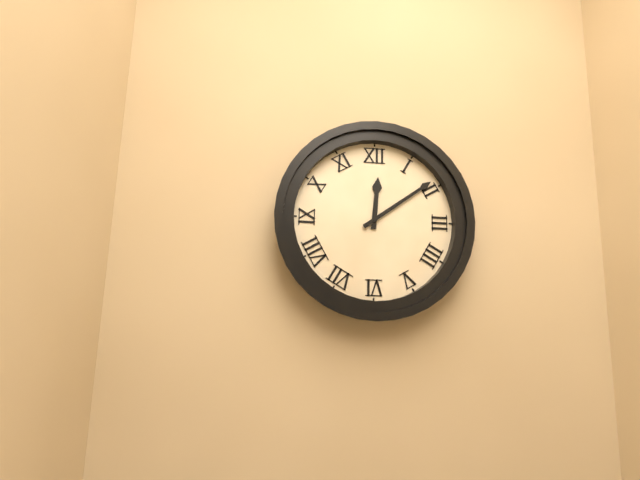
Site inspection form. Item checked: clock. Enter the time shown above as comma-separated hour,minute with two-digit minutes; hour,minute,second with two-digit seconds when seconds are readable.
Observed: 12,09
